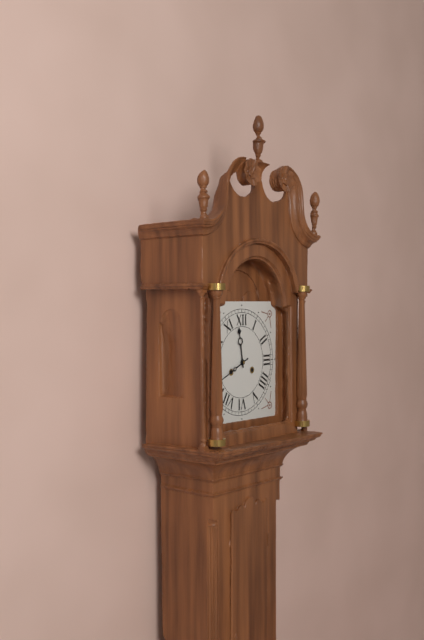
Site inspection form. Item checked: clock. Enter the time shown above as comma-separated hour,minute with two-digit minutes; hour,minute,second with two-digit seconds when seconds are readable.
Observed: 11,41
